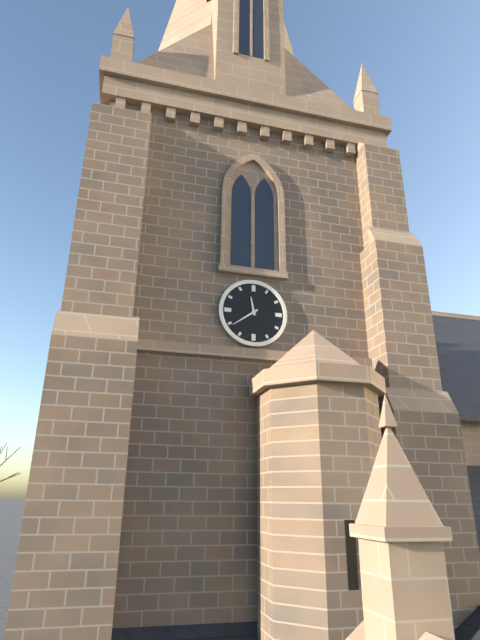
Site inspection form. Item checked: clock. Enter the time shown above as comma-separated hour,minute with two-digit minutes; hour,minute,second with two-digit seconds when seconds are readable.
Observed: 11,39
